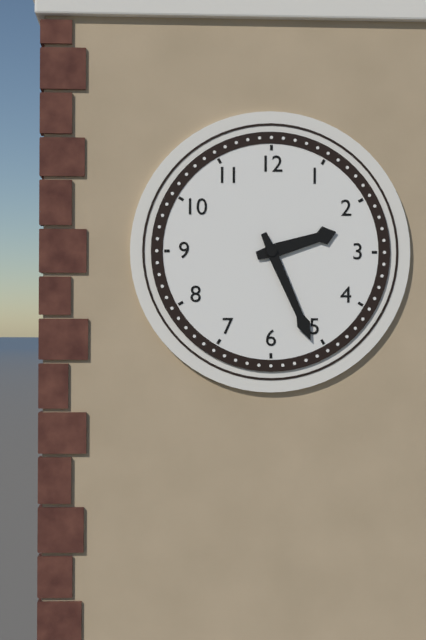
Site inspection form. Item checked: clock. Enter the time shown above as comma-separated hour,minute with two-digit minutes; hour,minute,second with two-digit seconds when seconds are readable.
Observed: 2,26
